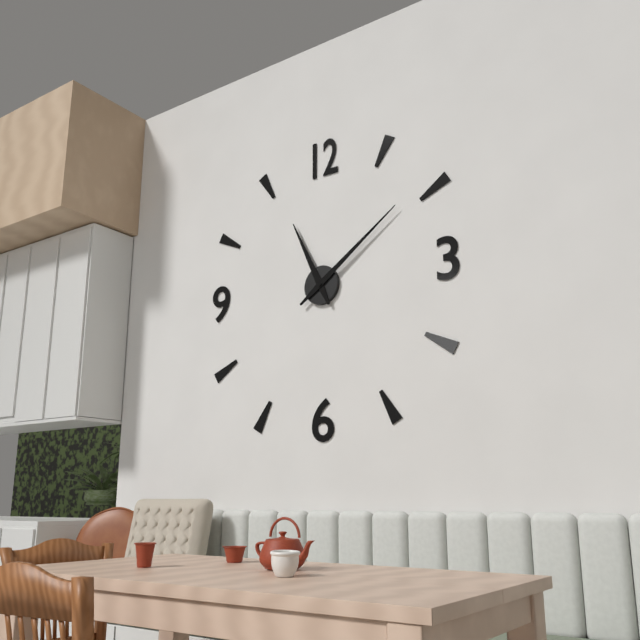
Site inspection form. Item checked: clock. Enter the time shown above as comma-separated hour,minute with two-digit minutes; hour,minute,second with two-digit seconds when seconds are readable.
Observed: 11,09
